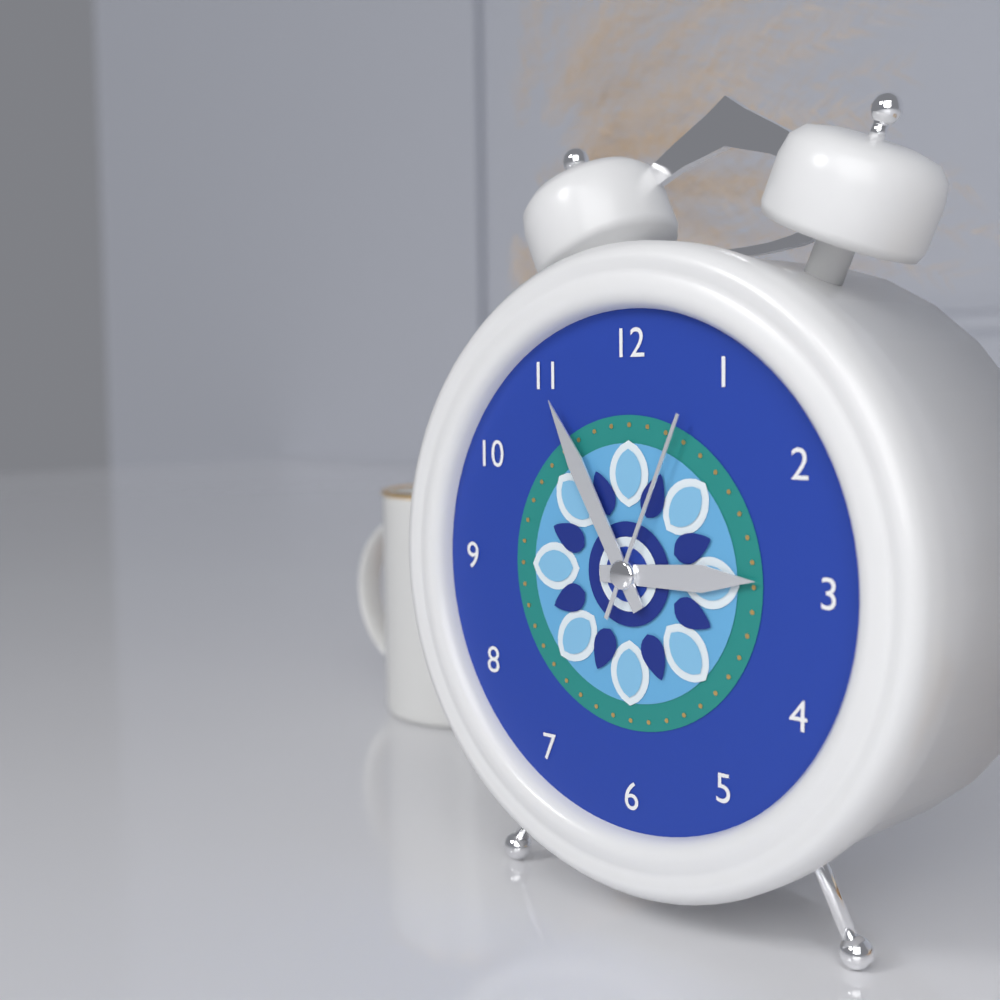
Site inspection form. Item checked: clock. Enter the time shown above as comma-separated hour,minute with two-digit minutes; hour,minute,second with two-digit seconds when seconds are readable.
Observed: 2,55,04
